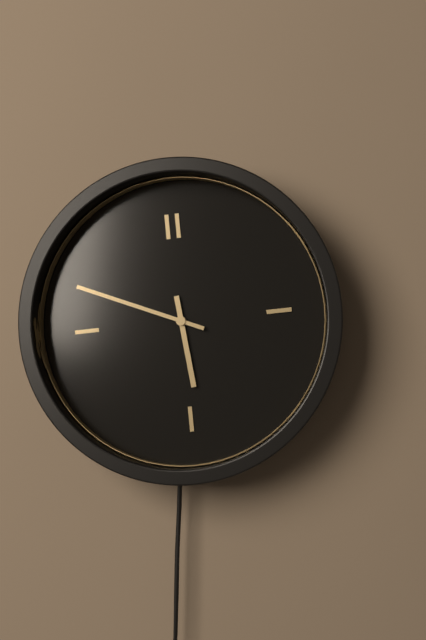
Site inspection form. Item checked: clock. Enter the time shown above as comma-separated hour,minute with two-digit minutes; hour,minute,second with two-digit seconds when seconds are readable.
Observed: 5,49
